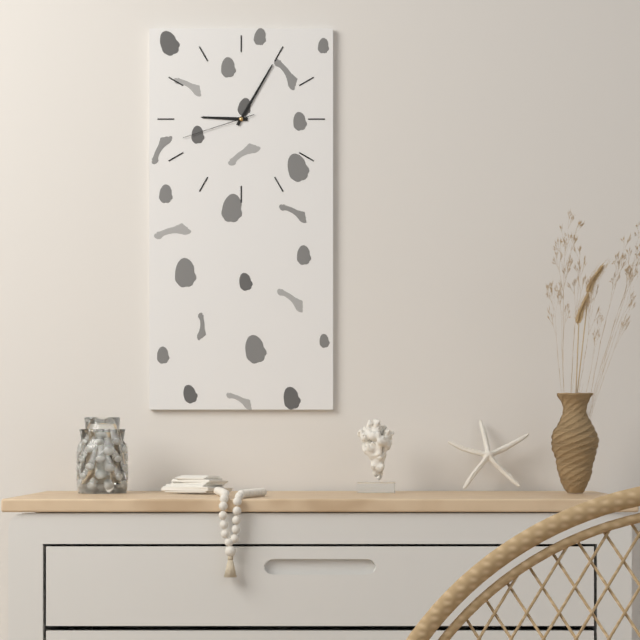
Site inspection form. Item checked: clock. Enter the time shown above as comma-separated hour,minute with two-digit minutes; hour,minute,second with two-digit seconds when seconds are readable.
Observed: 9,05,42
